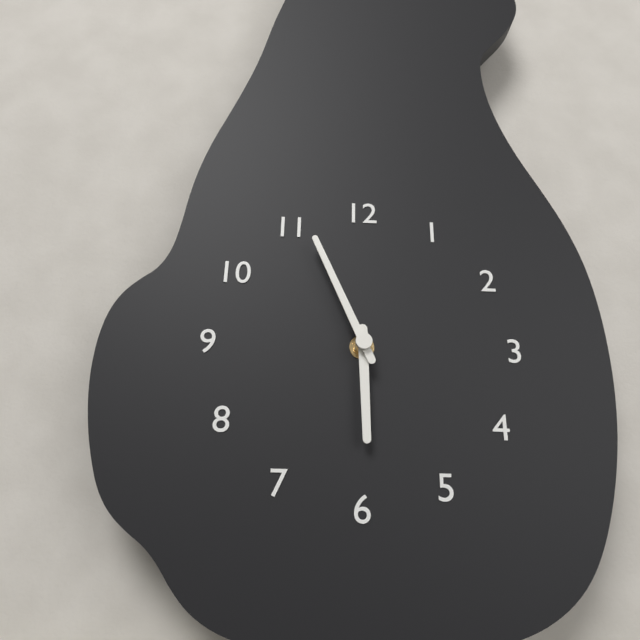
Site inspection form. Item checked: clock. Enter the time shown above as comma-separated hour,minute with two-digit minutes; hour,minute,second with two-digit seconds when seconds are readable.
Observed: 5,56
